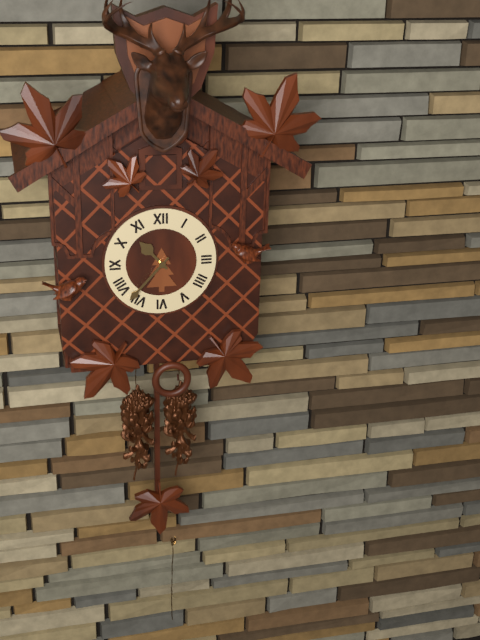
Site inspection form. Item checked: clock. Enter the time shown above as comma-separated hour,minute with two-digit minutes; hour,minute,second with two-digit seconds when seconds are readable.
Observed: 10,37
